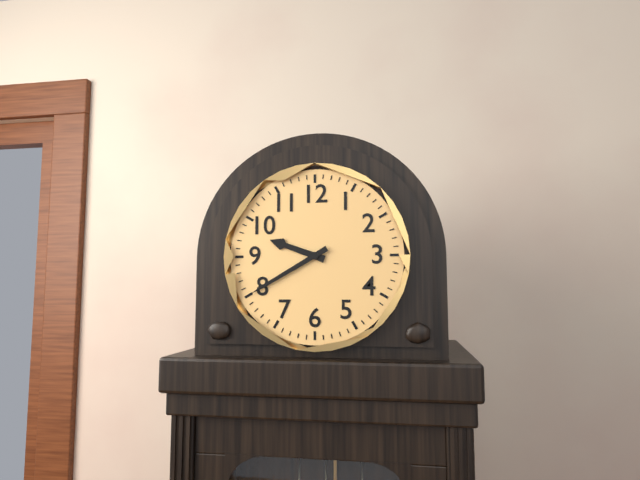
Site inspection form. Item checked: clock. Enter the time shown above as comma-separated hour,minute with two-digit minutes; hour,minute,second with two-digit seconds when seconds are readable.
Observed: 9,40
